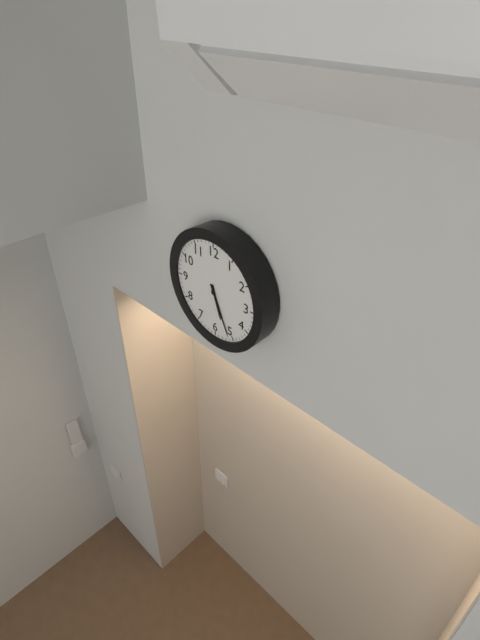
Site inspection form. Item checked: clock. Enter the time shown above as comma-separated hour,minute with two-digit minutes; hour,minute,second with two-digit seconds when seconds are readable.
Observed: 5,26
